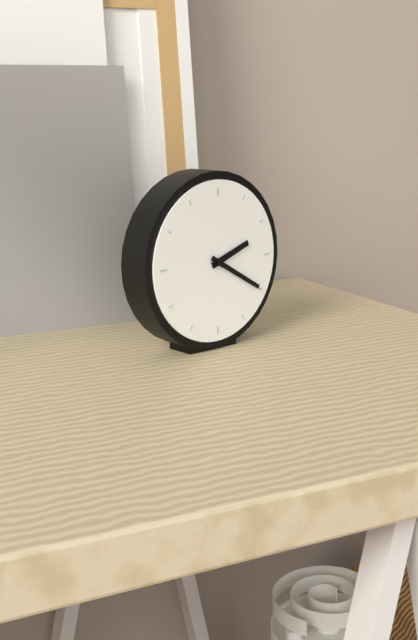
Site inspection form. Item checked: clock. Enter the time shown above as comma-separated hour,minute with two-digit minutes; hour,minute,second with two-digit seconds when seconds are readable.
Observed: 2,20
